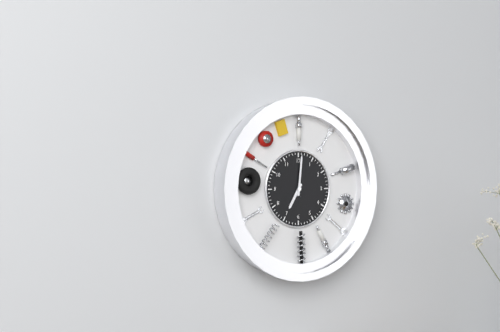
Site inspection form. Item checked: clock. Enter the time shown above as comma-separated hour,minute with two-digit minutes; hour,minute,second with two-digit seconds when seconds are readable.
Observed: 7,01
